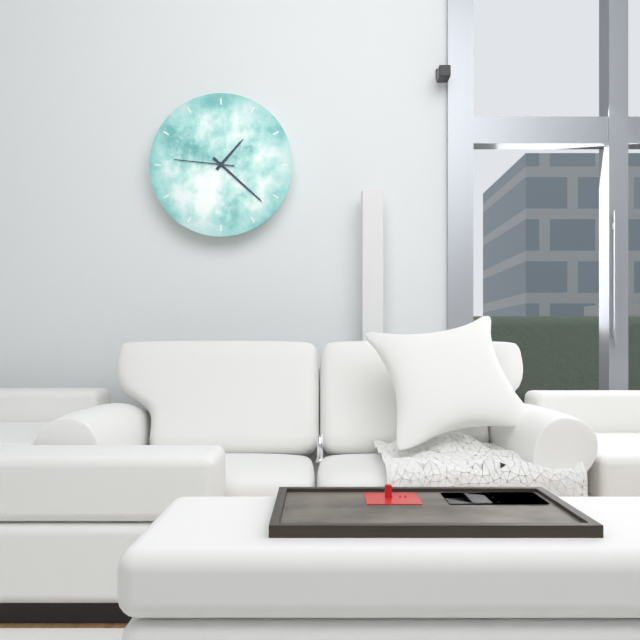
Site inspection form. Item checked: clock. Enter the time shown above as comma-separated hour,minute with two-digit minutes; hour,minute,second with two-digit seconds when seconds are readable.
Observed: 1,22,46
